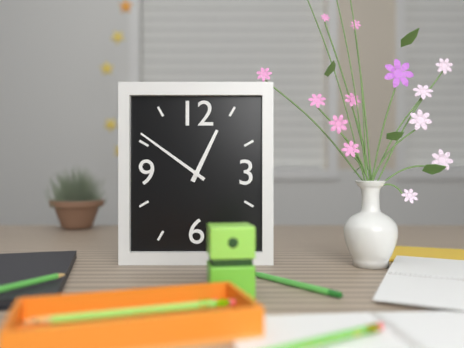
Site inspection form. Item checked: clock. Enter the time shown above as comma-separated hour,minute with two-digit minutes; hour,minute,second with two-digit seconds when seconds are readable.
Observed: 12,51
